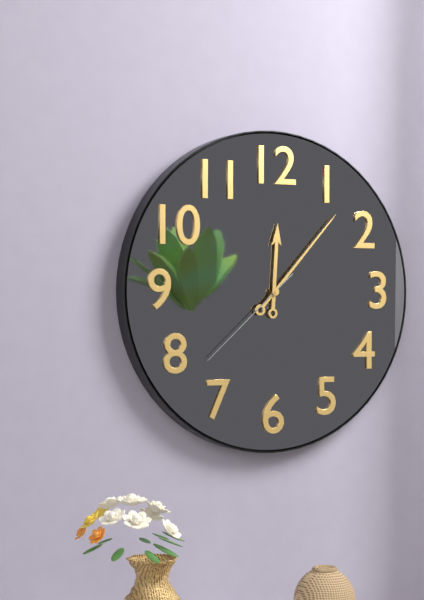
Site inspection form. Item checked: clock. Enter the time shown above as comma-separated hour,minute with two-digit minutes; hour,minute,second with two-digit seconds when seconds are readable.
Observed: 12,07,38
